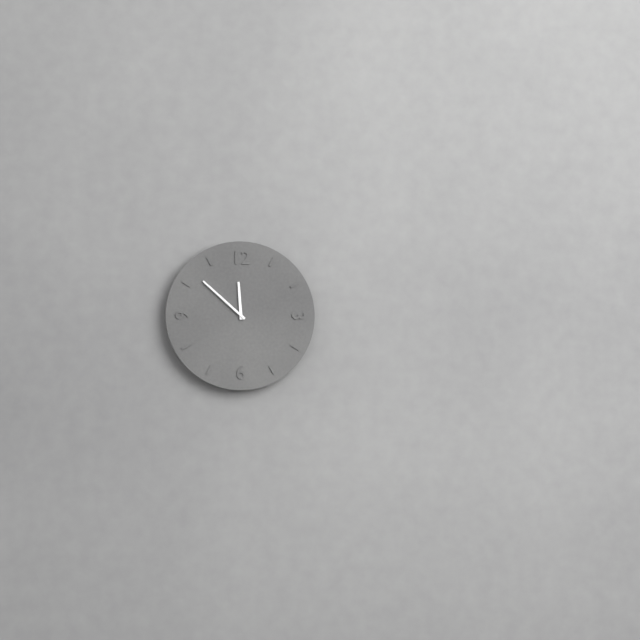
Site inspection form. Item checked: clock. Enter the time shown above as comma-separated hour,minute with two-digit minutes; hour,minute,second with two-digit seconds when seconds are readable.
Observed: 11,52
